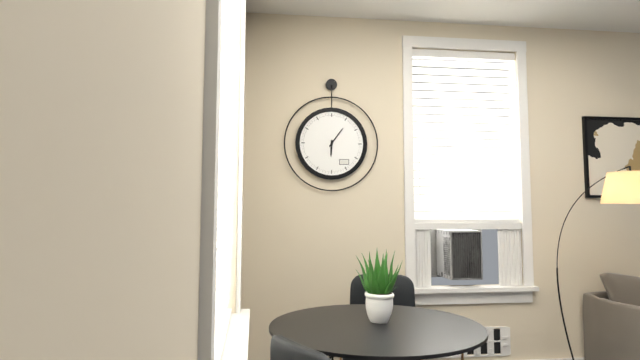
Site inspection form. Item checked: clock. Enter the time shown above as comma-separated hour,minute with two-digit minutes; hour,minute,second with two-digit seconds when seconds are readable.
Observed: 6,06
